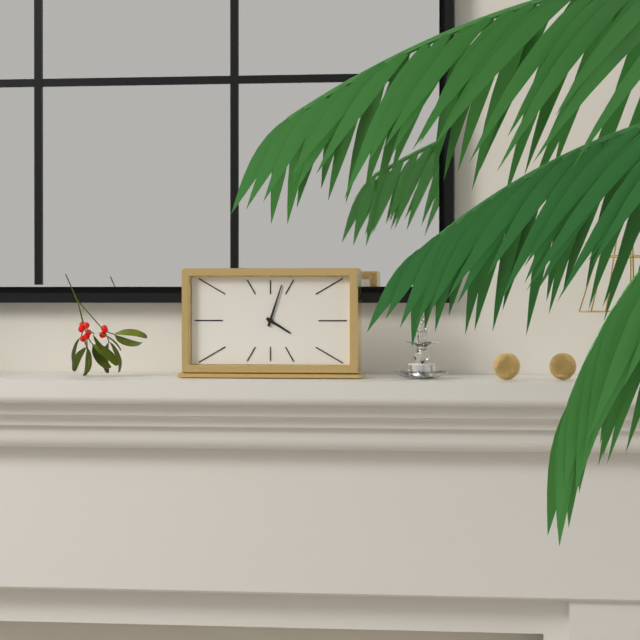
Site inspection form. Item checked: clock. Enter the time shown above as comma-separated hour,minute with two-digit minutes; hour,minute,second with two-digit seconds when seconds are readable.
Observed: 4,03
